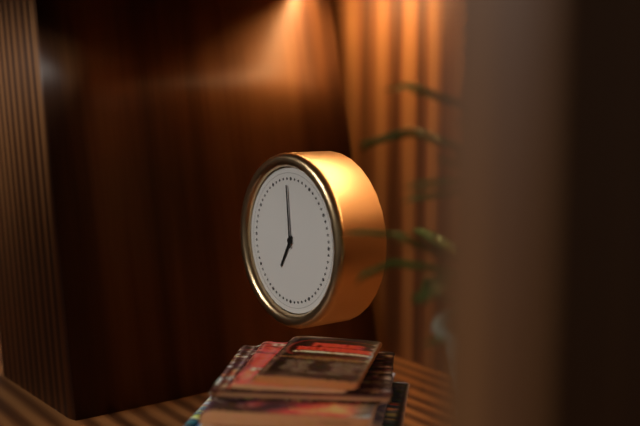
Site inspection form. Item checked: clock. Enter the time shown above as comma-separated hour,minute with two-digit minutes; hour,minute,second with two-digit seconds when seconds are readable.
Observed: 6,59
